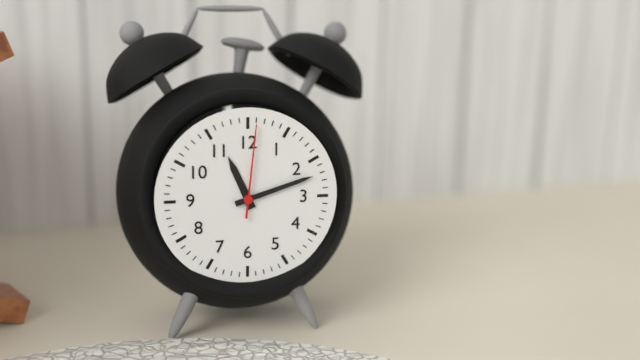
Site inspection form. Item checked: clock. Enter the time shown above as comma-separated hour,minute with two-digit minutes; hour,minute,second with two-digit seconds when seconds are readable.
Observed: 11,12,01
